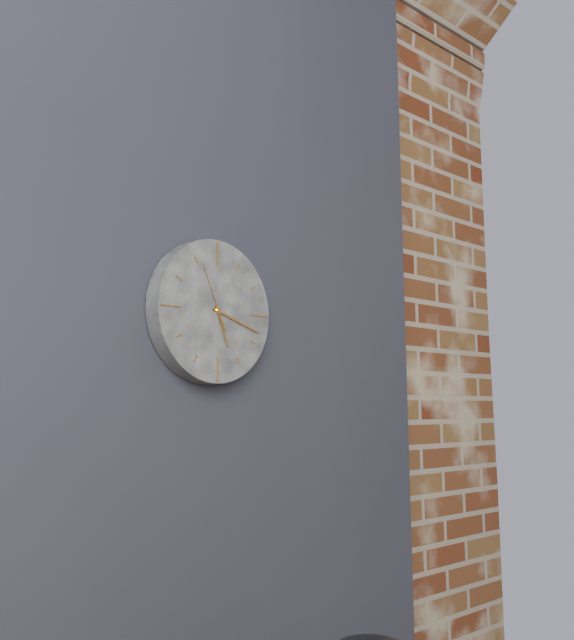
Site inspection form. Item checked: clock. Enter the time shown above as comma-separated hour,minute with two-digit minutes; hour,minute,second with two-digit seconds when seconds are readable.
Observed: 5,18,56
